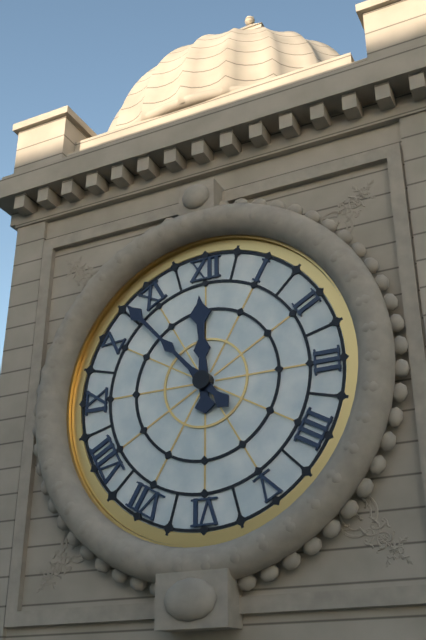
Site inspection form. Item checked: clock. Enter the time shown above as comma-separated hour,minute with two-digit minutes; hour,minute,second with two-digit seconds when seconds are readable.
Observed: 11,53
